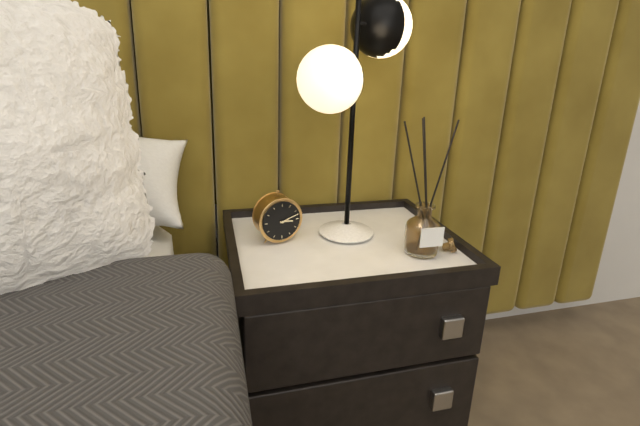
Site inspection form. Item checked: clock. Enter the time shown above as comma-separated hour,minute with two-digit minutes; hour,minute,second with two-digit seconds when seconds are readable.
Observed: 3,12
